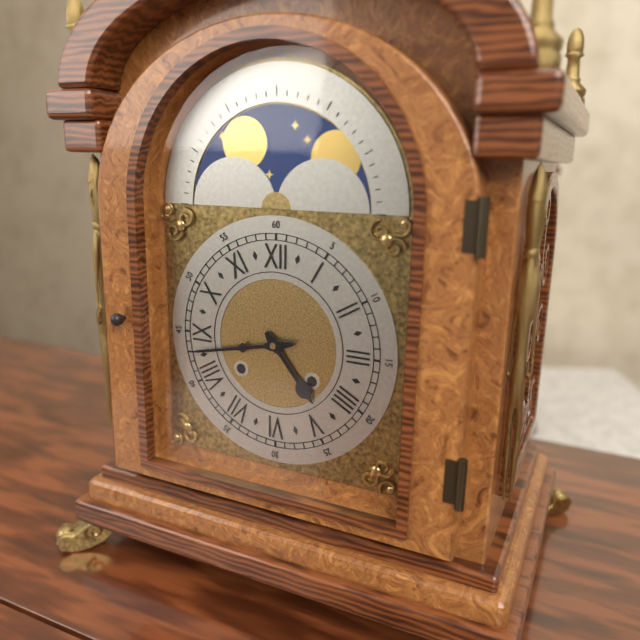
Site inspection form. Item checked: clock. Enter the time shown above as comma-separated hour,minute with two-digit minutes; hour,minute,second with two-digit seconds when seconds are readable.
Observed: 4,43
